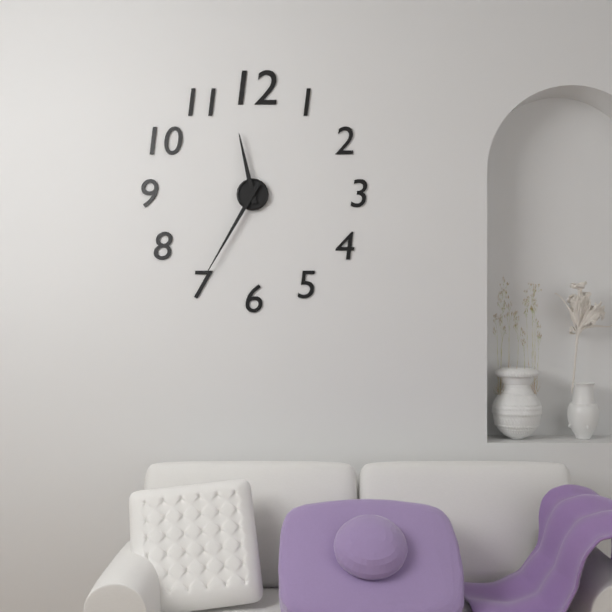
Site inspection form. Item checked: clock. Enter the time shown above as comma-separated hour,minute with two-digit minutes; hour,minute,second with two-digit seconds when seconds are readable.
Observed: 11,35
